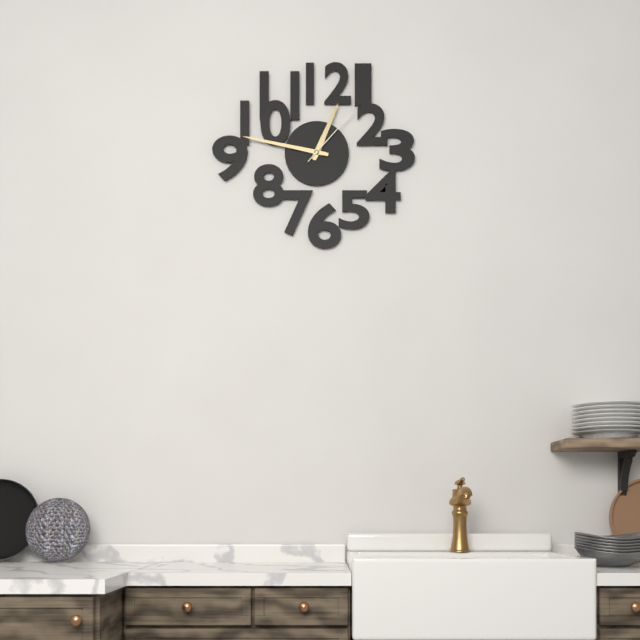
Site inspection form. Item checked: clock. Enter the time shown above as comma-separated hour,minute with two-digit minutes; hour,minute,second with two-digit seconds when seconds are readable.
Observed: 12,47,07
